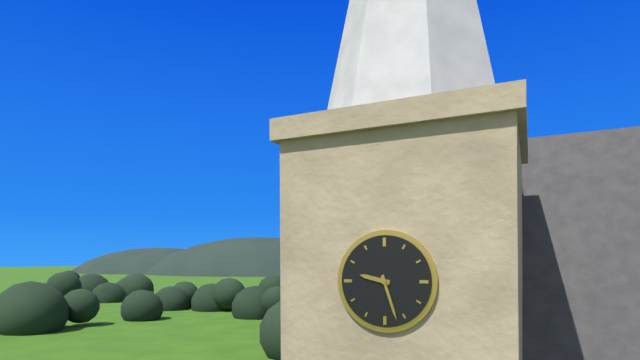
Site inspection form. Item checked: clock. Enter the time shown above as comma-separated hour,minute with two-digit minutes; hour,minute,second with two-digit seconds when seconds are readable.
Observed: 9,27
